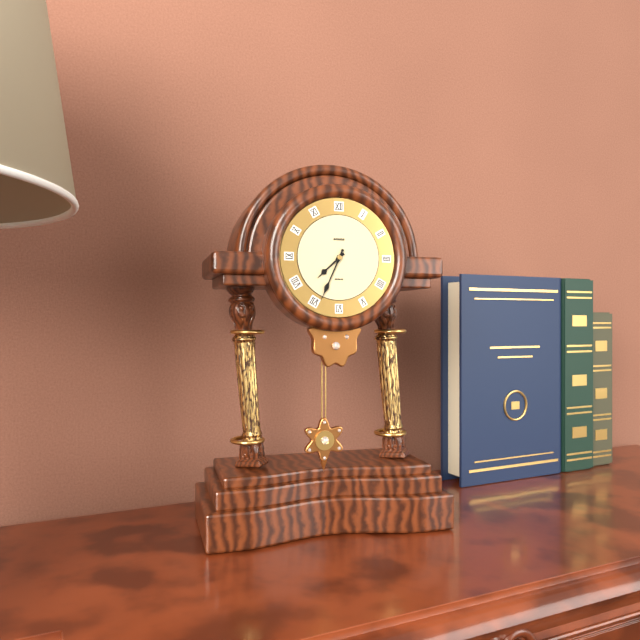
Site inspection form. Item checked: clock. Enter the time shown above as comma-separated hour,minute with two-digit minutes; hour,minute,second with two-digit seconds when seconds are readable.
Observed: 7,34
